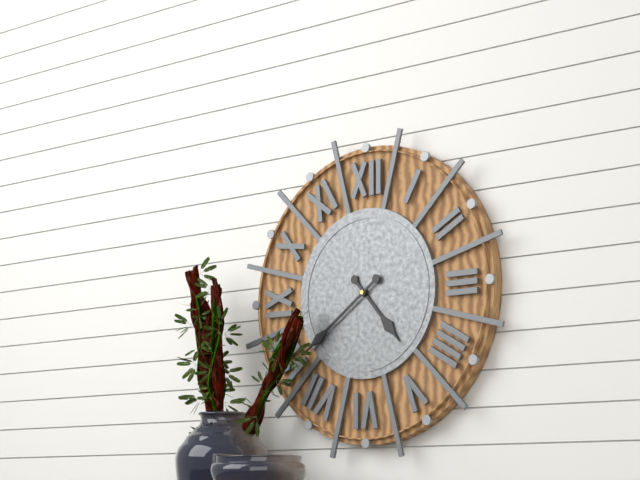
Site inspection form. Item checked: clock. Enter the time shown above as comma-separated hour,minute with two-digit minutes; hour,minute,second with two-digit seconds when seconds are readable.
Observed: 4,39
